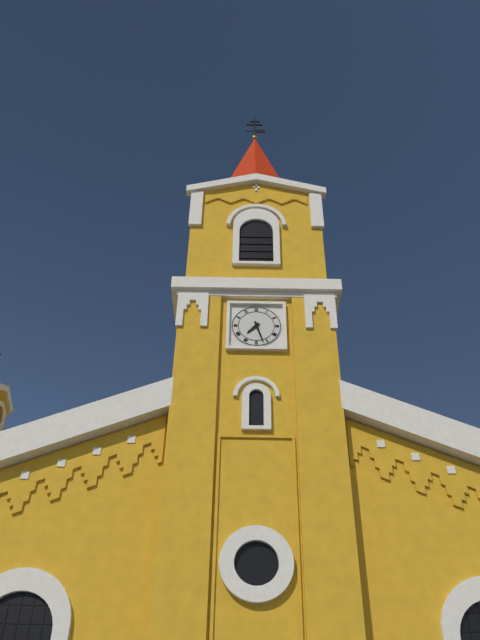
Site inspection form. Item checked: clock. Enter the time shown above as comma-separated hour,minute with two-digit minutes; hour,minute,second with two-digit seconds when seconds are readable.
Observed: 7,27
